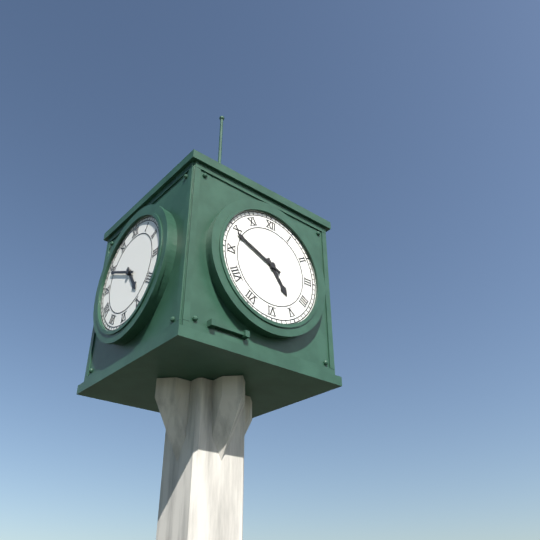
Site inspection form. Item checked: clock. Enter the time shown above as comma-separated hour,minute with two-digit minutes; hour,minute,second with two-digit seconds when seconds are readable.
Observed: 4,49
